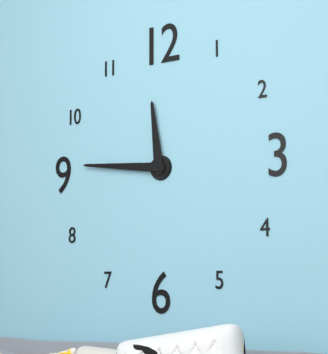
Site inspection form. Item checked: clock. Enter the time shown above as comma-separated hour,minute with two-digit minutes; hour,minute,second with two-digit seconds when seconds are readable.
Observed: 11,46
